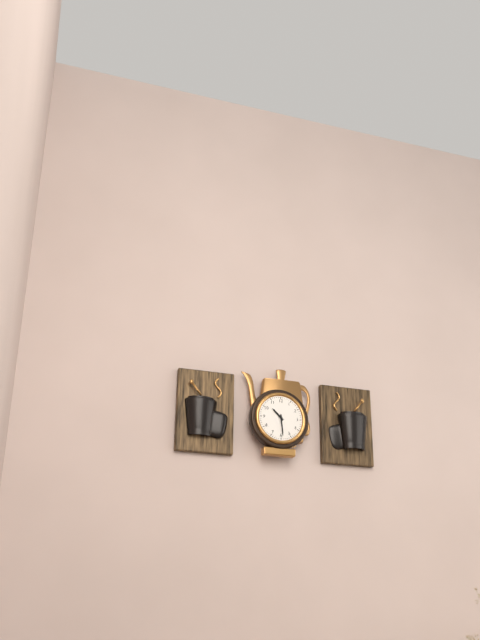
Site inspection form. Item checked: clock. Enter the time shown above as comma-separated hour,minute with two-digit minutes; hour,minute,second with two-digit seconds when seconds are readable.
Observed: 10,29
